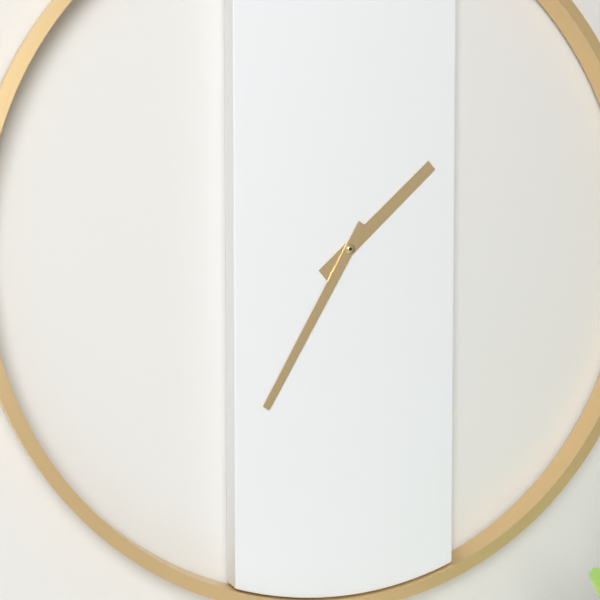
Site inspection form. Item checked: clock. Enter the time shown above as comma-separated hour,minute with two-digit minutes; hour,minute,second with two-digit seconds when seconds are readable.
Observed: 1,35
